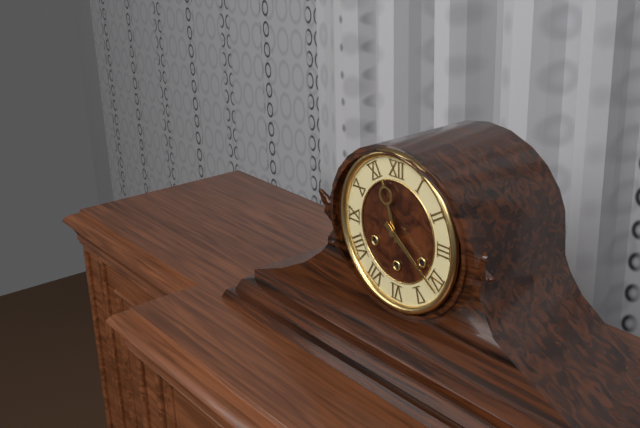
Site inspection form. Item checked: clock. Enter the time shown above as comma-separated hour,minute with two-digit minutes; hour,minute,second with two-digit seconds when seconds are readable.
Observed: 11,21
